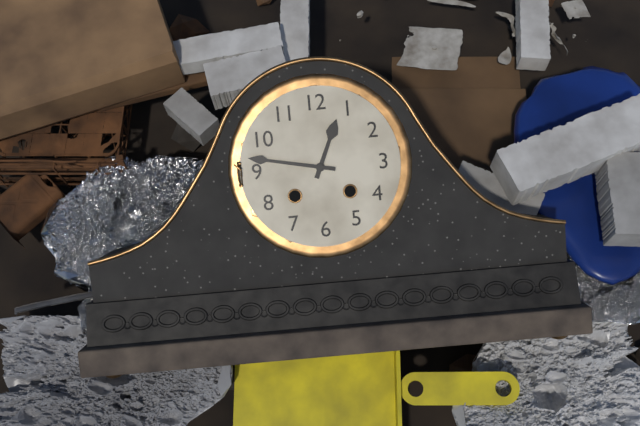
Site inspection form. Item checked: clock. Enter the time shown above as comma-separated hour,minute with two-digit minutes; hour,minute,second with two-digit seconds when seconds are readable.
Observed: 12,47
